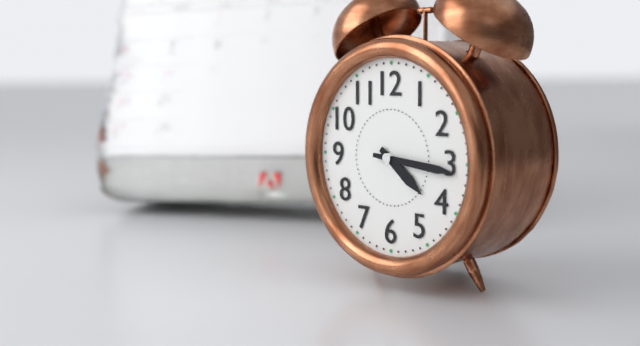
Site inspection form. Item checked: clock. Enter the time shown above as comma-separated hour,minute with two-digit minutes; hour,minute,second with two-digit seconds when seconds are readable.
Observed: 4,16
